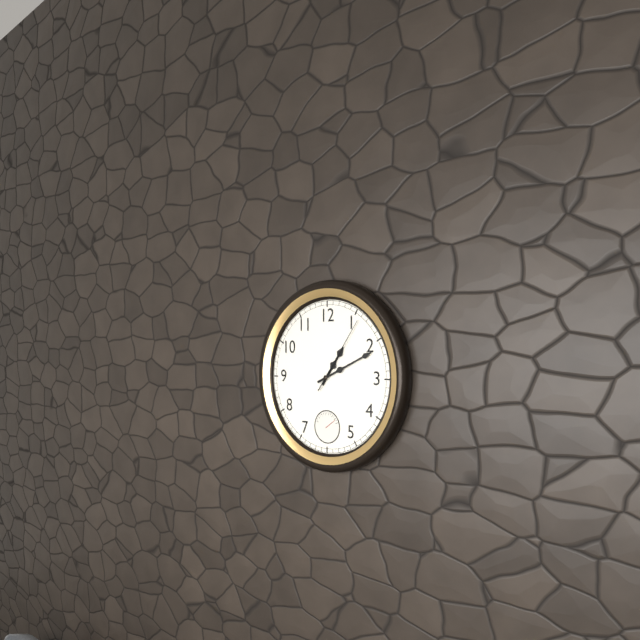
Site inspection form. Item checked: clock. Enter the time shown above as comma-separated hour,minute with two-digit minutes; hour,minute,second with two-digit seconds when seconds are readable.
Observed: 1,11,06
